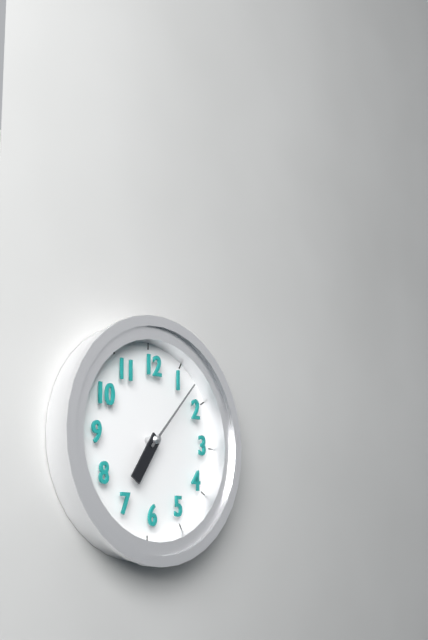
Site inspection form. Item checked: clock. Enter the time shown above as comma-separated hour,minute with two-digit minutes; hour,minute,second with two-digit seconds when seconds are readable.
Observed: 7,07
